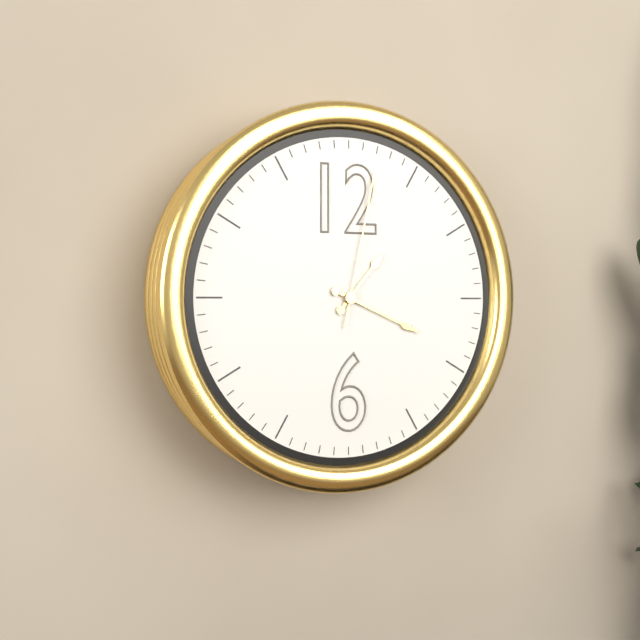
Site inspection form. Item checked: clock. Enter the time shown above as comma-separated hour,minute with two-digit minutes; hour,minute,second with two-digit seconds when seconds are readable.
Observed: 1,19,02
